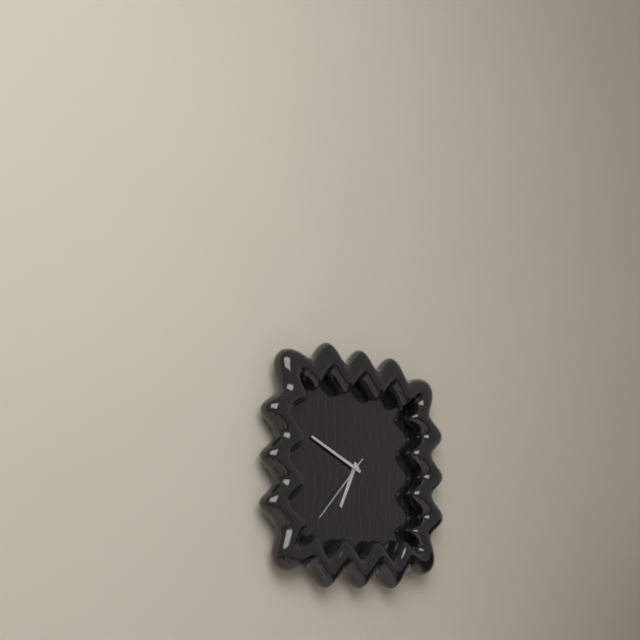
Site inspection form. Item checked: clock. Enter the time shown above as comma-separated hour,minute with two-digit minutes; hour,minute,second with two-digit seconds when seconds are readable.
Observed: 6,49,37
